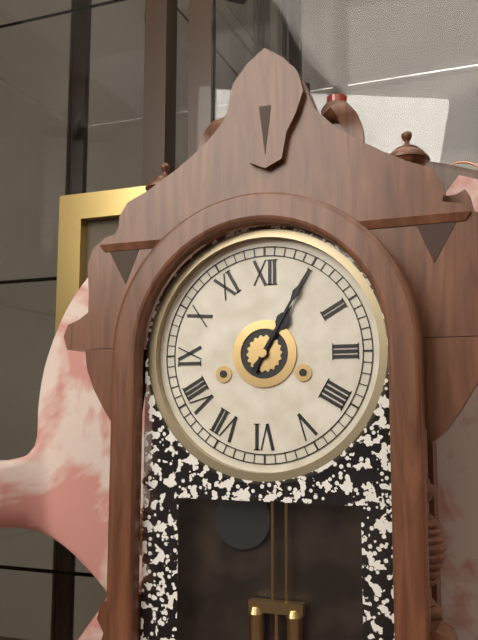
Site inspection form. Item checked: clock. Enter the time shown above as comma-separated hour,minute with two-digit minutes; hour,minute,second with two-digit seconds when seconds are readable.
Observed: 1,05
